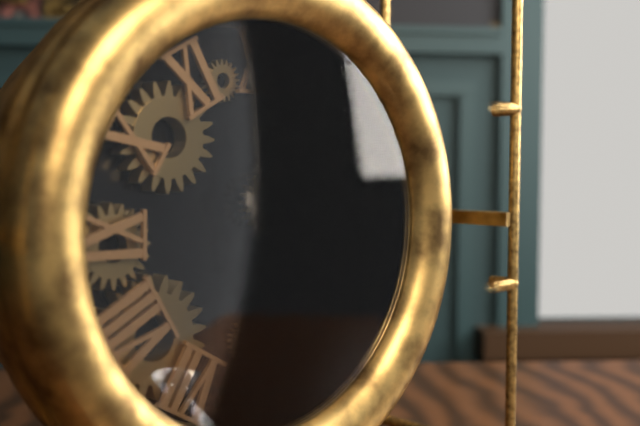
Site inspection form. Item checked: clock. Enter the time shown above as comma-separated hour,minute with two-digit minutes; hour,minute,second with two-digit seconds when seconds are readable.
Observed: 4,59
